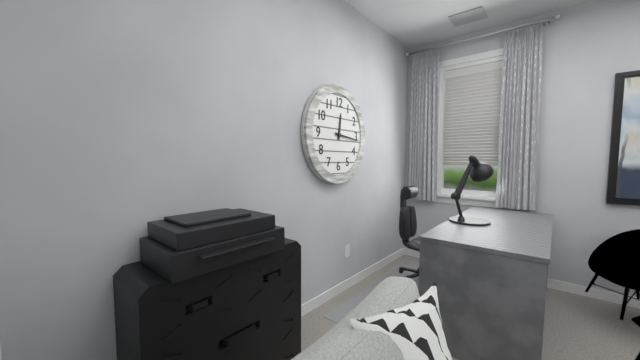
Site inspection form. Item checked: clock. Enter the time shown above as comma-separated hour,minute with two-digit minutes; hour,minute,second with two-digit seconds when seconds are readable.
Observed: 12,16
